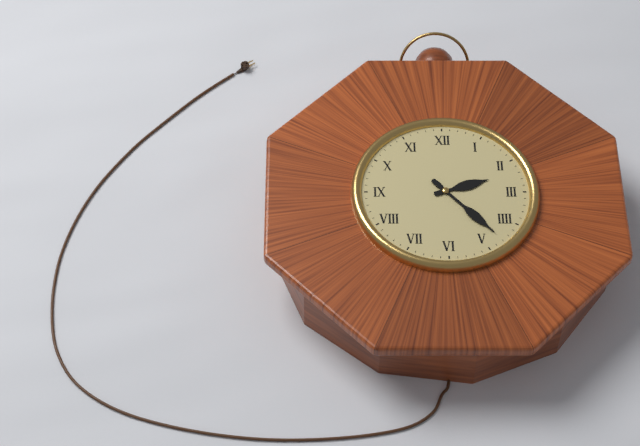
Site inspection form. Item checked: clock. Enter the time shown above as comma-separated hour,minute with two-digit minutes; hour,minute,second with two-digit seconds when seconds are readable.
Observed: 2,23
